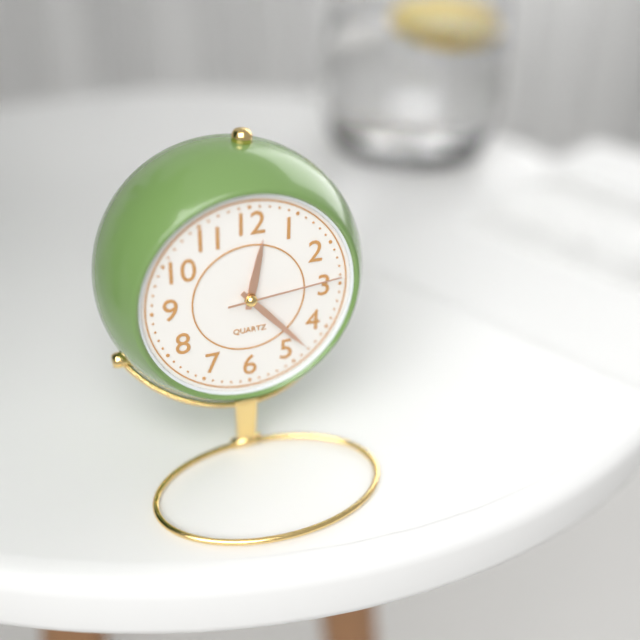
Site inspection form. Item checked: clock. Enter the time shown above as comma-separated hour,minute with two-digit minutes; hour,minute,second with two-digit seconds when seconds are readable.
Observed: 12,23,14
